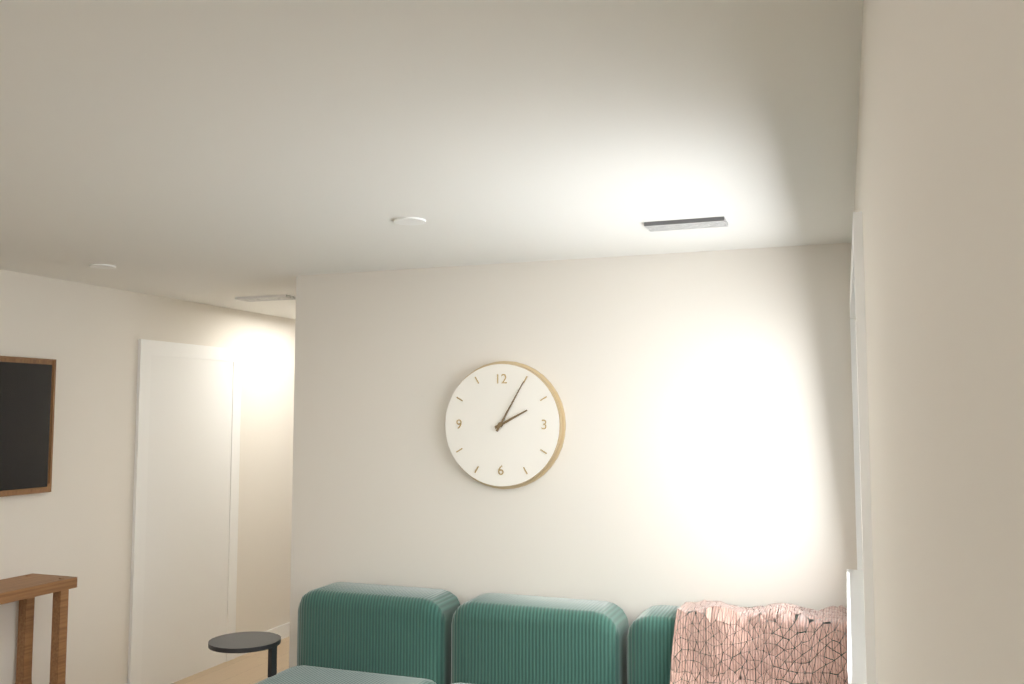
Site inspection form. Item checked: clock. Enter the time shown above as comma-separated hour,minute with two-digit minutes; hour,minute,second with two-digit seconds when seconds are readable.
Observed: 2,05
